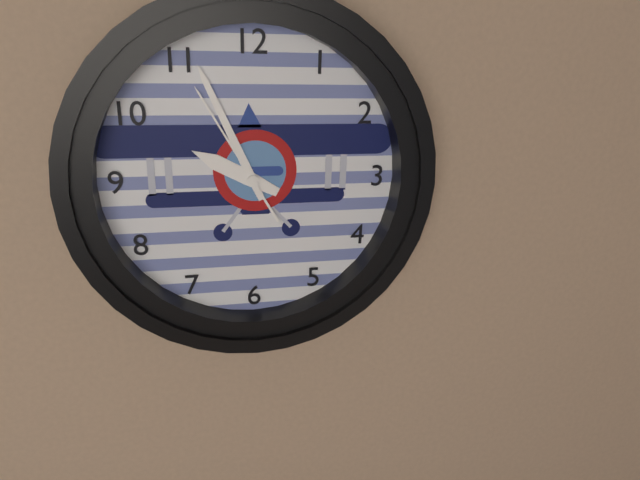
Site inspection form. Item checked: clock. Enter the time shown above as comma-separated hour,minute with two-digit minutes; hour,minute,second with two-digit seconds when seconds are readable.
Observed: 9,56,55
